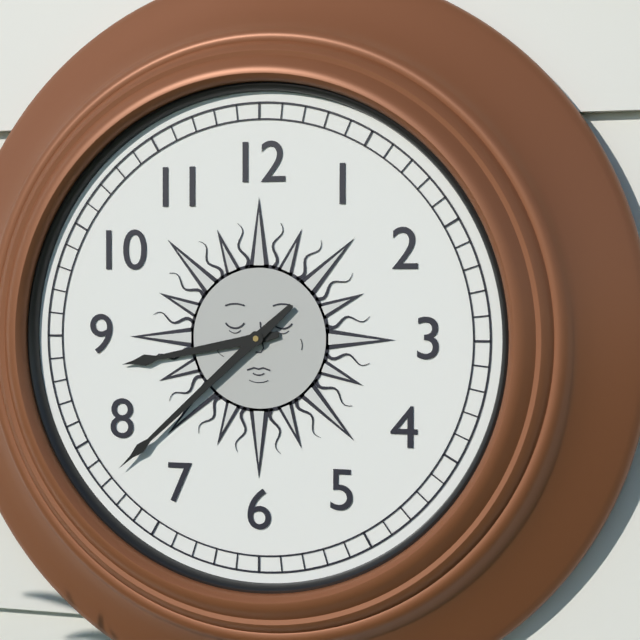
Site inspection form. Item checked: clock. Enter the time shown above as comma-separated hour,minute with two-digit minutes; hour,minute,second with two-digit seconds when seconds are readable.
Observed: 8,38
